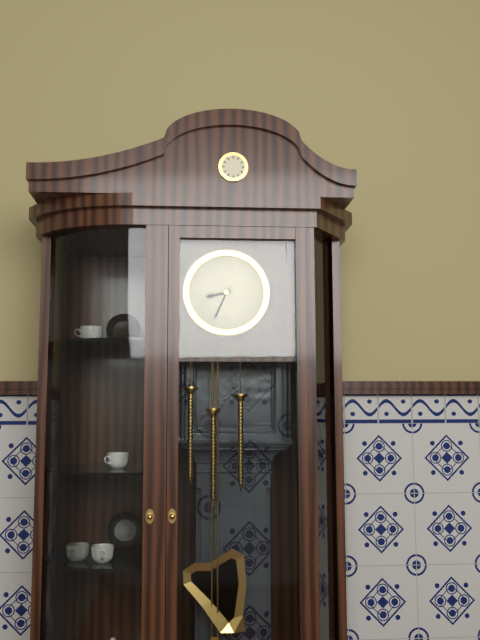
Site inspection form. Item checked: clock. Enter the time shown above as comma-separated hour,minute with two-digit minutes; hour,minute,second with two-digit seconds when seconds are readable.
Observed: 8,34
